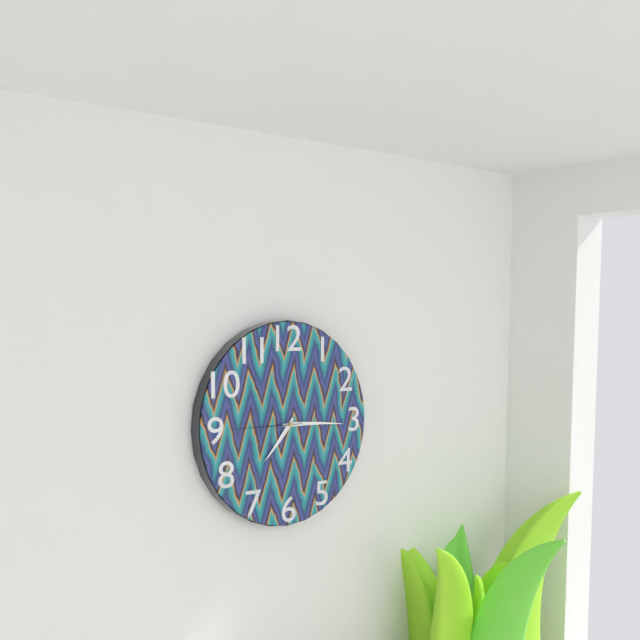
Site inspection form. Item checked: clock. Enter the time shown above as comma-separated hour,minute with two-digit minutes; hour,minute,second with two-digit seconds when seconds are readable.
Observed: 7,15,45
